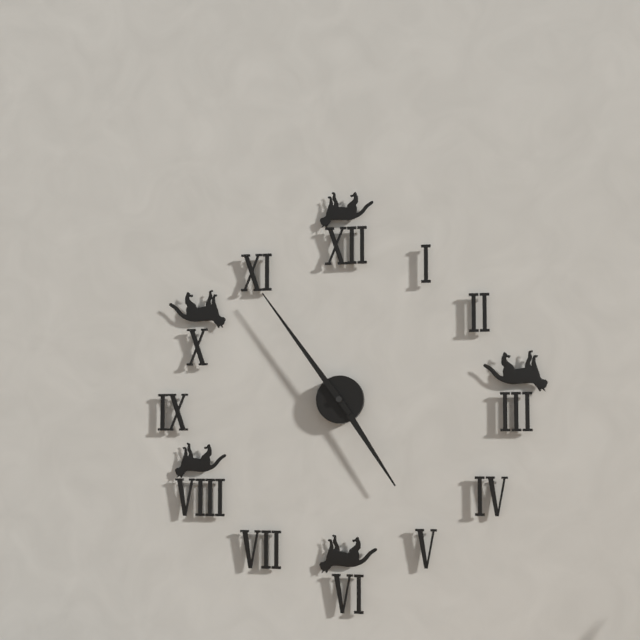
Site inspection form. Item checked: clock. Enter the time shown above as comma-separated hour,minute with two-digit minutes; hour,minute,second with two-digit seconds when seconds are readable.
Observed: 4,54
